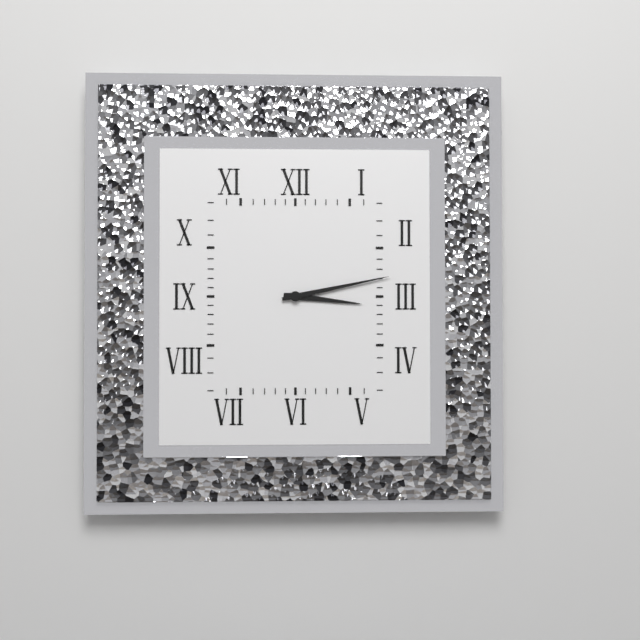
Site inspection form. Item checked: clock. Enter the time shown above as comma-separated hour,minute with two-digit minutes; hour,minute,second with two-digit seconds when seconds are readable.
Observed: 3,13
